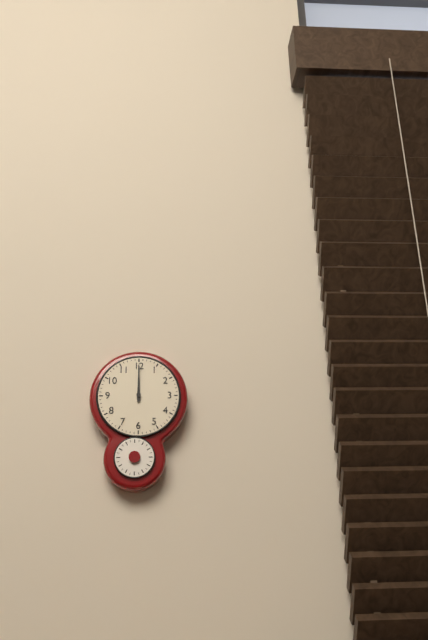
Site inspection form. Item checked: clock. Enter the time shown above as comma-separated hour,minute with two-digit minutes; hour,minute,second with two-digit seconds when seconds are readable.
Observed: 12,00
